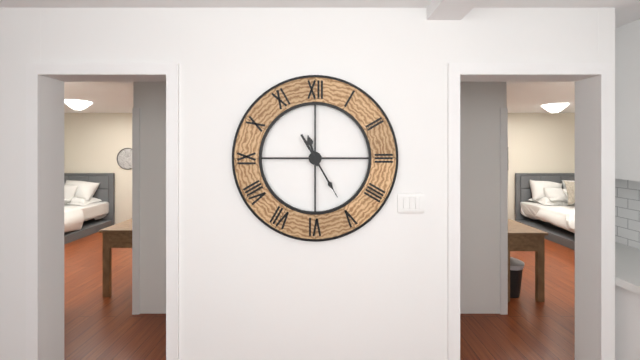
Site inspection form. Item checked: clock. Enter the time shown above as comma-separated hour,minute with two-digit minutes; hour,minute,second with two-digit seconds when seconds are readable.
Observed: 11,25,25
